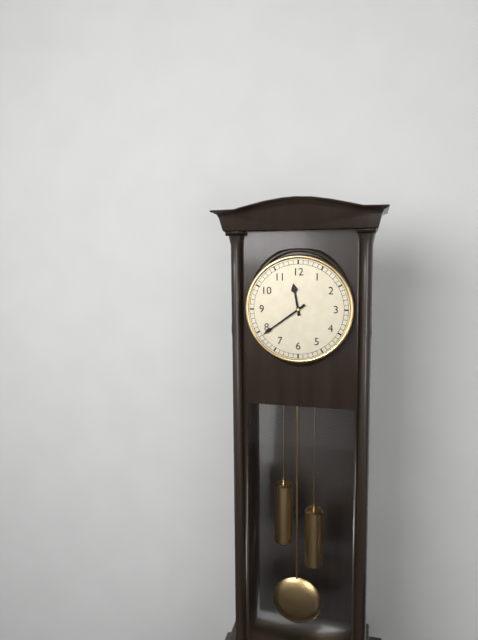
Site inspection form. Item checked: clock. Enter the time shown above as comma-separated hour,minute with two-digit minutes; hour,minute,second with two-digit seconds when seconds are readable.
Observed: 11,39
